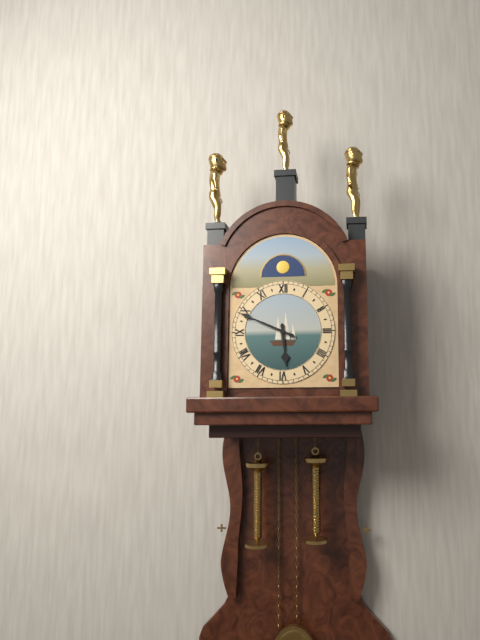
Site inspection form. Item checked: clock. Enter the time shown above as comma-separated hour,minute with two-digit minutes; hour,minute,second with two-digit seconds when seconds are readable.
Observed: 5,49
